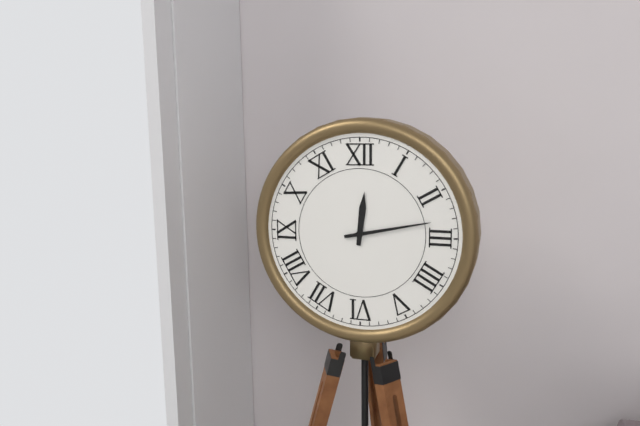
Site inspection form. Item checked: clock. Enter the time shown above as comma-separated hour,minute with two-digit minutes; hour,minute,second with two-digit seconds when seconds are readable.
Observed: 12,13
